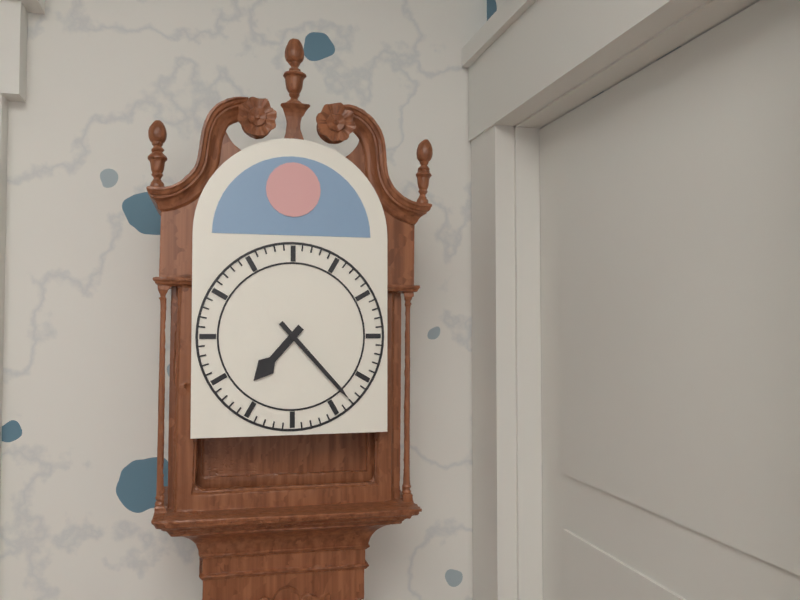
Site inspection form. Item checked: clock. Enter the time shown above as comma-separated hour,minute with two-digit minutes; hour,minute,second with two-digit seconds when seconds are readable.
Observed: 7,23
